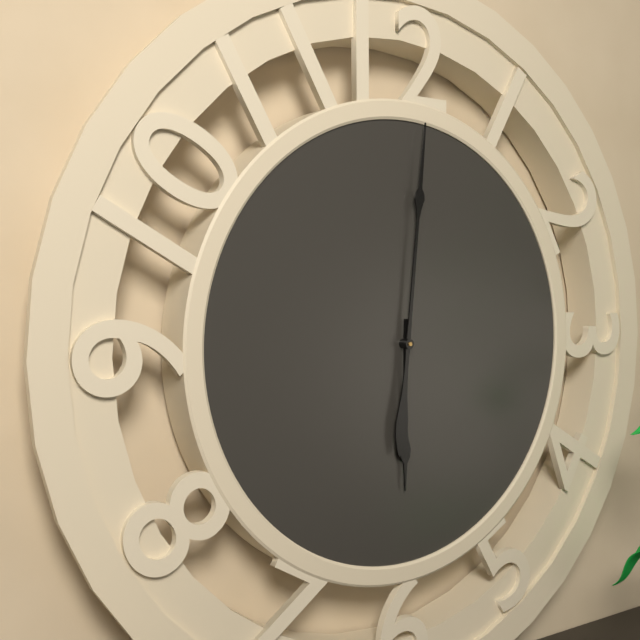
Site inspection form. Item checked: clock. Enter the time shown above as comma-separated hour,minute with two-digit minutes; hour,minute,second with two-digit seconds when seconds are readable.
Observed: 6,01
